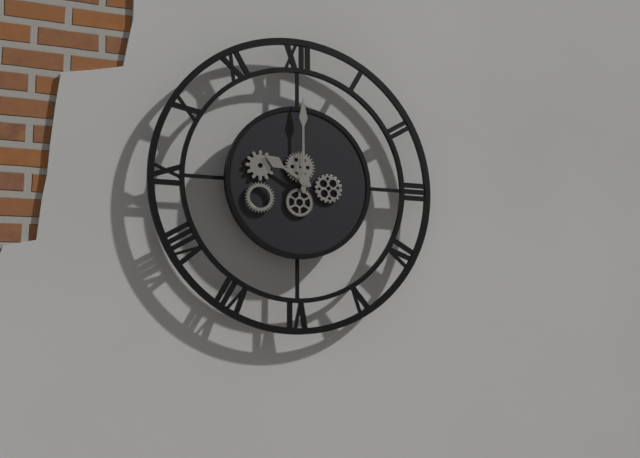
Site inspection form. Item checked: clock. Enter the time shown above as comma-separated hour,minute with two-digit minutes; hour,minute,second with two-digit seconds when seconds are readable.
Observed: 10,00
